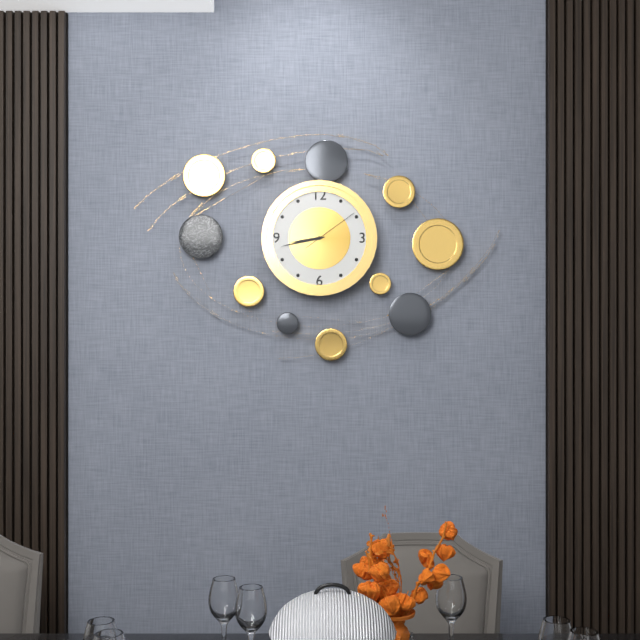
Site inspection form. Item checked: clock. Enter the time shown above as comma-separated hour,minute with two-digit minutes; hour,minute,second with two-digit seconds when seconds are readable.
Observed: 8,43,09
